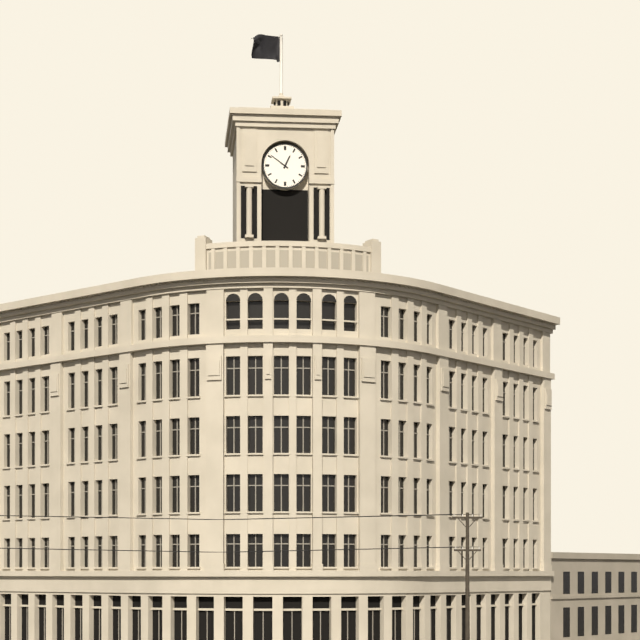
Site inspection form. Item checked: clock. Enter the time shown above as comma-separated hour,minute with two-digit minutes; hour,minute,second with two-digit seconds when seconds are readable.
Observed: 12,51
